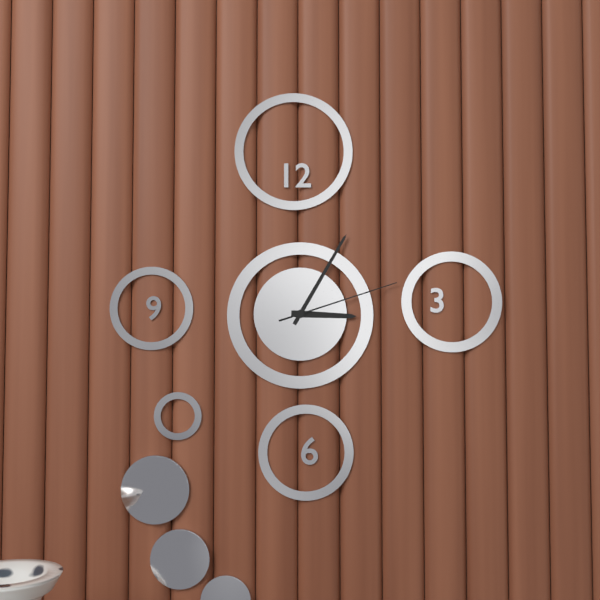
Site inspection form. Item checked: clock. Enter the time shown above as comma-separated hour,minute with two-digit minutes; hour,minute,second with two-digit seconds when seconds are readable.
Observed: 3,05,12
